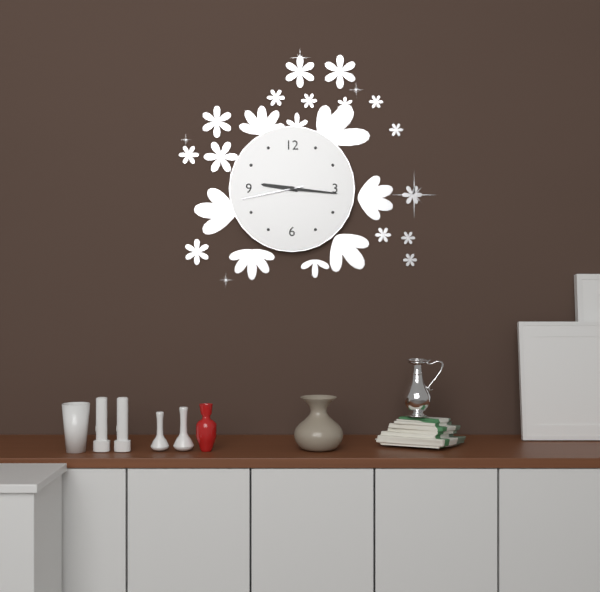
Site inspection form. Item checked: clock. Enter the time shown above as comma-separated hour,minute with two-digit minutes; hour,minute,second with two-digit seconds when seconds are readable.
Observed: 9,16,43
